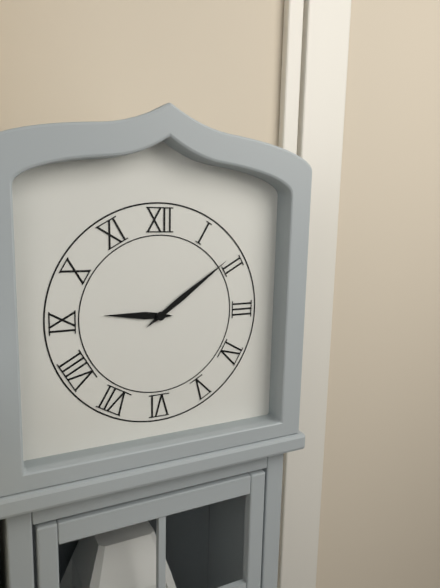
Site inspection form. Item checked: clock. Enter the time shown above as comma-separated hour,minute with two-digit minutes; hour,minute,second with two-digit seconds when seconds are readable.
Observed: 9,09
